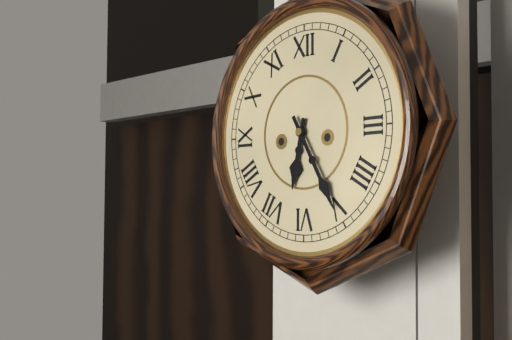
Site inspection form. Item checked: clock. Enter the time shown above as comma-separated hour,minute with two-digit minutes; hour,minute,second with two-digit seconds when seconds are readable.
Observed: 6,25
